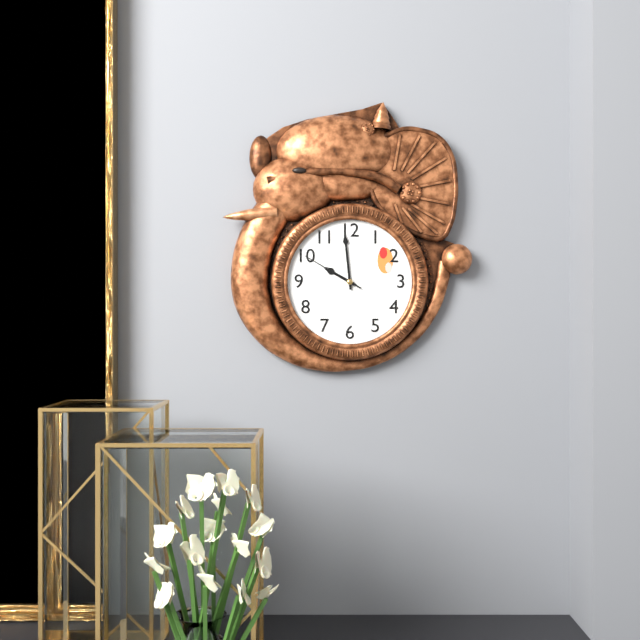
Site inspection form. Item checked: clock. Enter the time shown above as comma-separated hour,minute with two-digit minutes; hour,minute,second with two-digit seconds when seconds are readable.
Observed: 9,59,50
